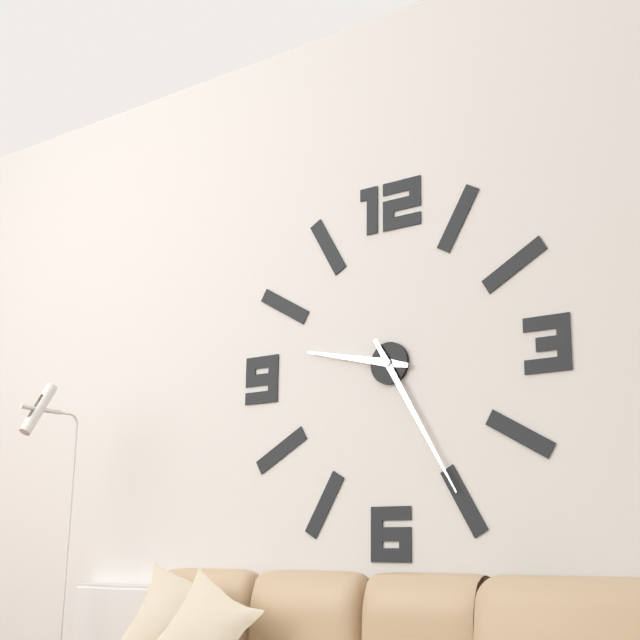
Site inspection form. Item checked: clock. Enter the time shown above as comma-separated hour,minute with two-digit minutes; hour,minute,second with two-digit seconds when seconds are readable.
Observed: 9,25
